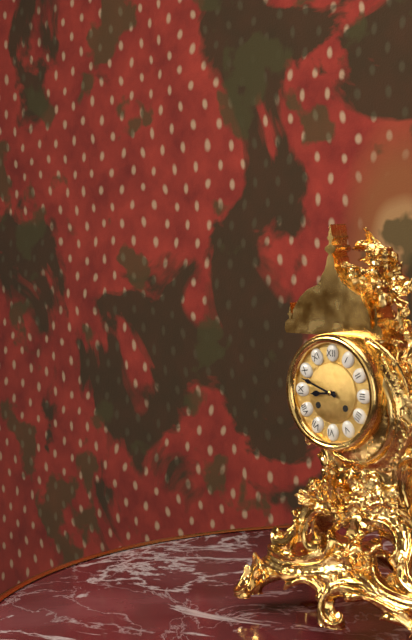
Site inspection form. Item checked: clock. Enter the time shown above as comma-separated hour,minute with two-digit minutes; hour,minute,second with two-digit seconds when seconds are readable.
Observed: 8,48
